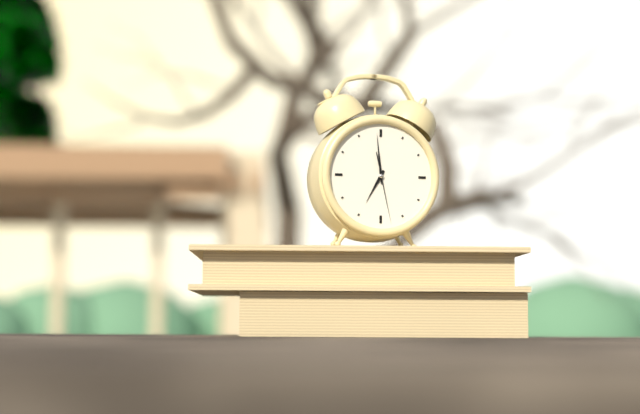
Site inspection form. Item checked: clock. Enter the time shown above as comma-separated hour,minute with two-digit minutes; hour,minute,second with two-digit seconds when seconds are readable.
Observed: 6,59,28
